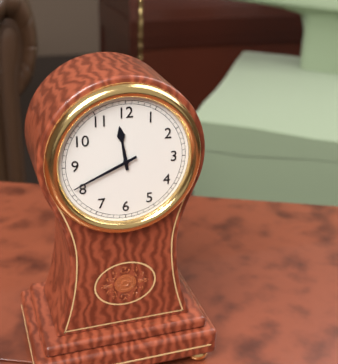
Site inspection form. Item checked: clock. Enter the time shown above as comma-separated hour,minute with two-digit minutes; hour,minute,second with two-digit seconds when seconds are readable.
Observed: 11,41
